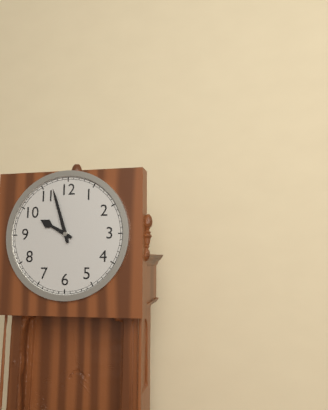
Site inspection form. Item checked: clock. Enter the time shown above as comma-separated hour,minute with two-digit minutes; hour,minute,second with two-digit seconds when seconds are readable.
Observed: 9,57
